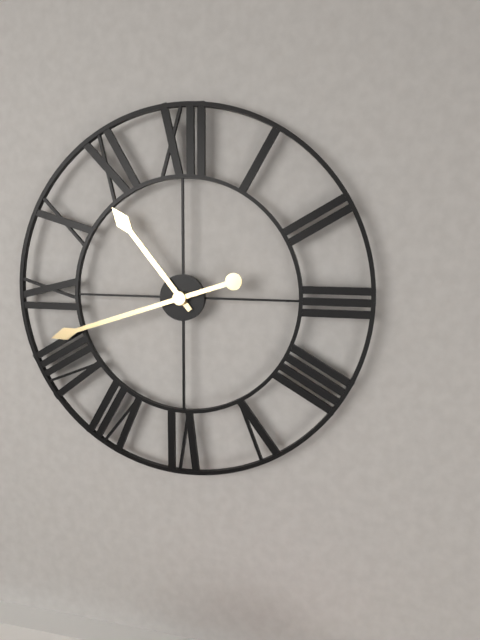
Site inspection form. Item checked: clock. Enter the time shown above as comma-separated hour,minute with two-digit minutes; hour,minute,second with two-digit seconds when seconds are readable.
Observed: 10,42
